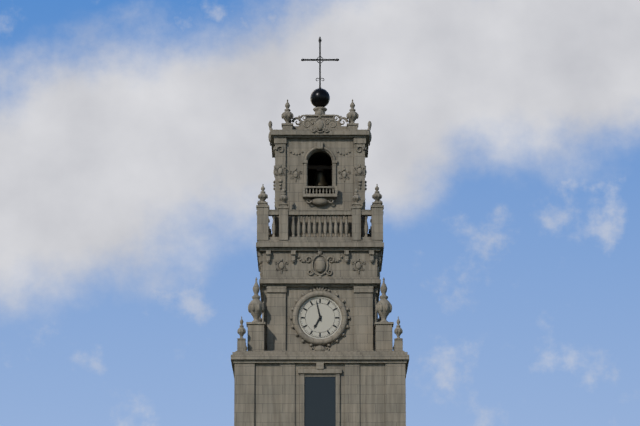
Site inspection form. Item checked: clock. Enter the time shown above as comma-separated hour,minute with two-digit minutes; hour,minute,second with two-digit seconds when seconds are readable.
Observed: 6,58
